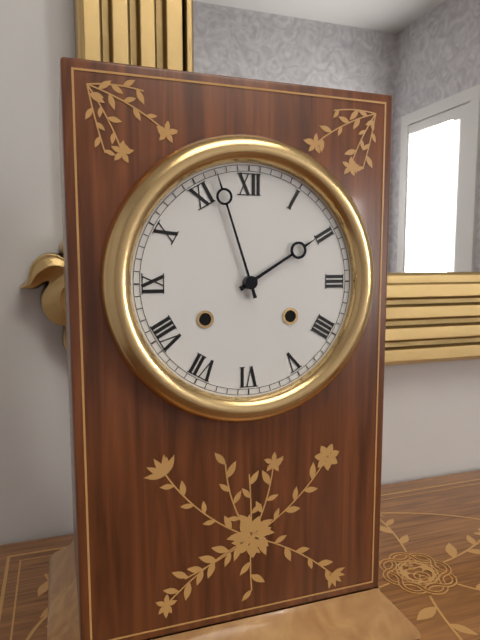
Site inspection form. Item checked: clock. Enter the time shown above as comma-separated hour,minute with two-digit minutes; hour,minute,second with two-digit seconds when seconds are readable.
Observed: 1,57
